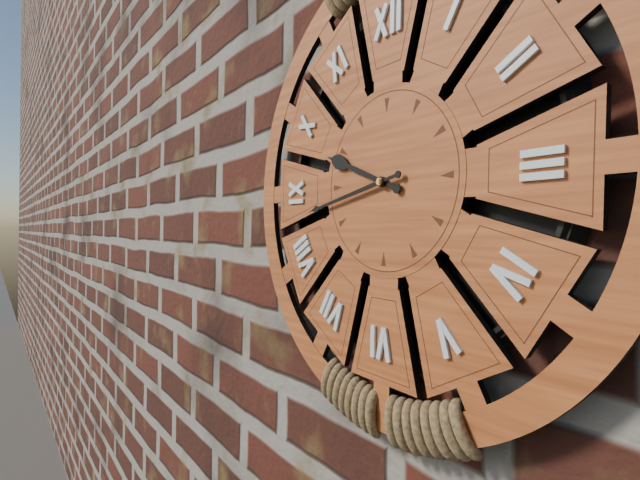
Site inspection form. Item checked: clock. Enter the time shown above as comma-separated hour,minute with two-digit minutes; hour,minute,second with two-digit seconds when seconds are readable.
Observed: 9,43
